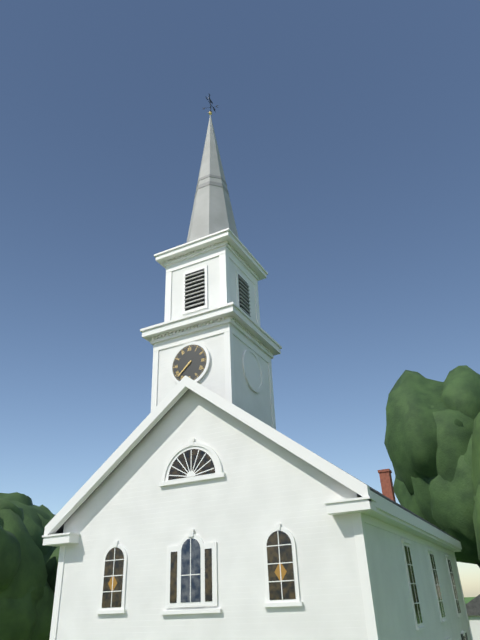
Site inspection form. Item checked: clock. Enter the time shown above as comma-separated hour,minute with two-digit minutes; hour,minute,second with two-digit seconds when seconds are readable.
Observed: 7,38
